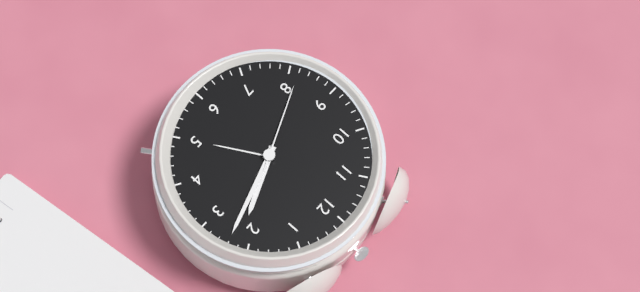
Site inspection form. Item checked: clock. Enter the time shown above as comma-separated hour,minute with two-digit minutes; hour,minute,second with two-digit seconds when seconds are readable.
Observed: 2,12,41
